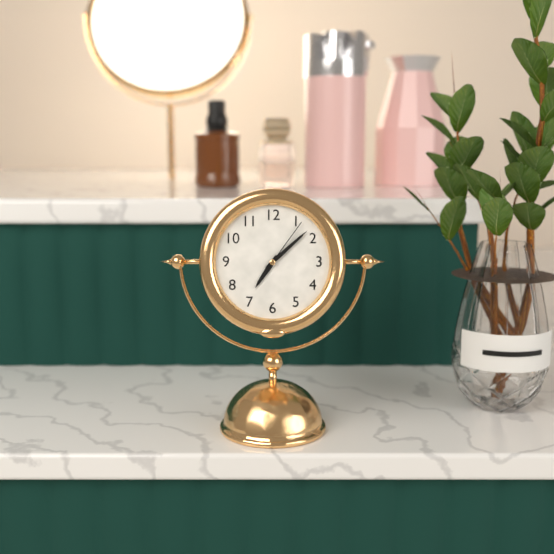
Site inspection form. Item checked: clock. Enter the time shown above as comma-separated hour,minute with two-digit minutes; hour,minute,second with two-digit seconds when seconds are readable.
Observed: 7,08,06
